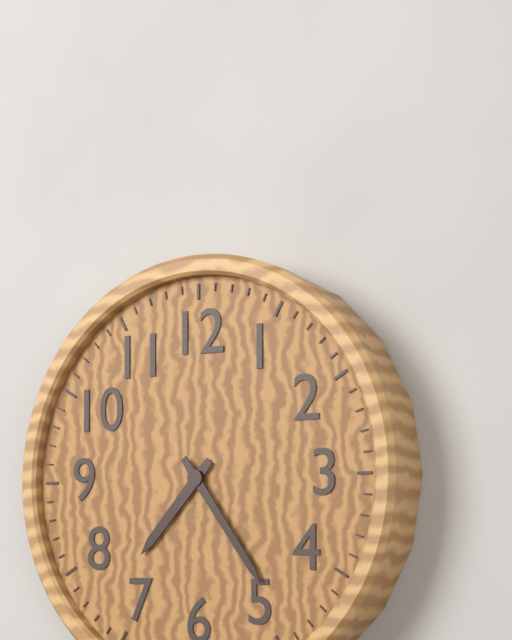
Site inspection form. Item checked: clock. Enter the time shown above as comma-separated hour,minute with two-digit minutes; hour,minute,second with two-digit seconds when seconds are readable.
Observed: 7,24
